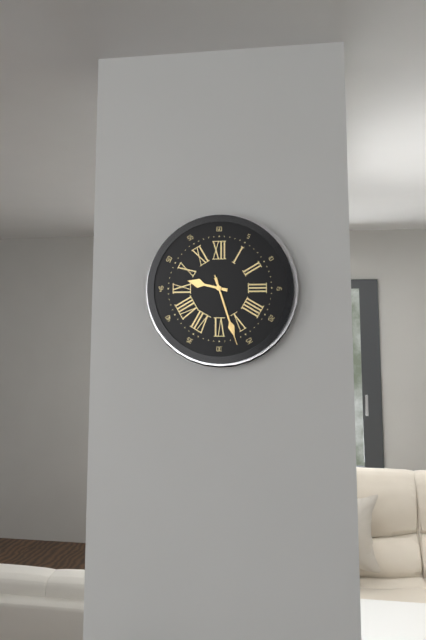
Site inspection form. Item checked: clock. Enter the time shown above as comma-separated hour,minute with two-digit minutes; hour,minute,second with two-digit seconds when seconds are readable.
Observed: 9,27,27
